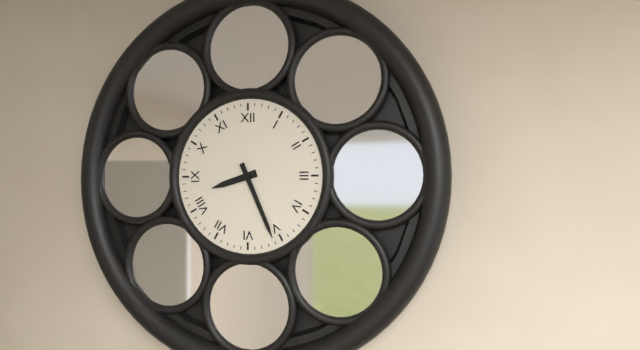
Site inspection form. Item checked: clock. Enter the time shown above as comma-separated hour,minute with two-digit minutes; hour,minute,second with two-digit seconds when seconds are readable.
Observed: 8,26
